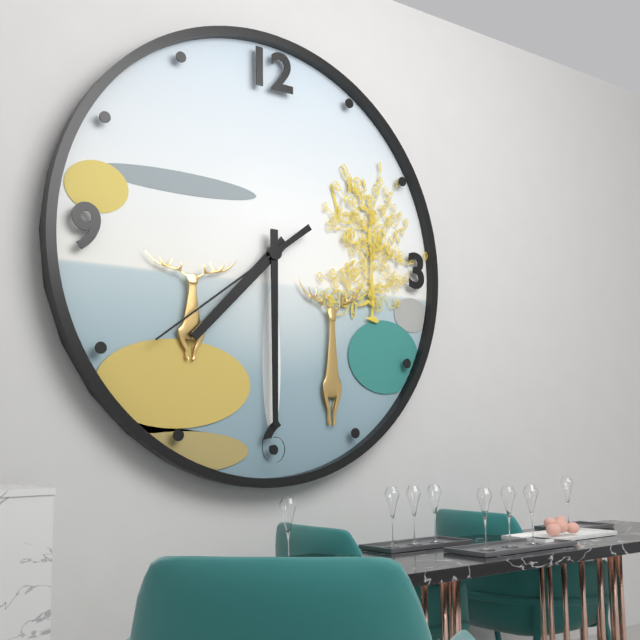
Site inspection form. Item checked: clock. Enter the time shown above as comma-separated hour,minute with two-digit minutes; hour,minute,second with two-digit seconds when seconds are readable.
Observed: 7,30,39
